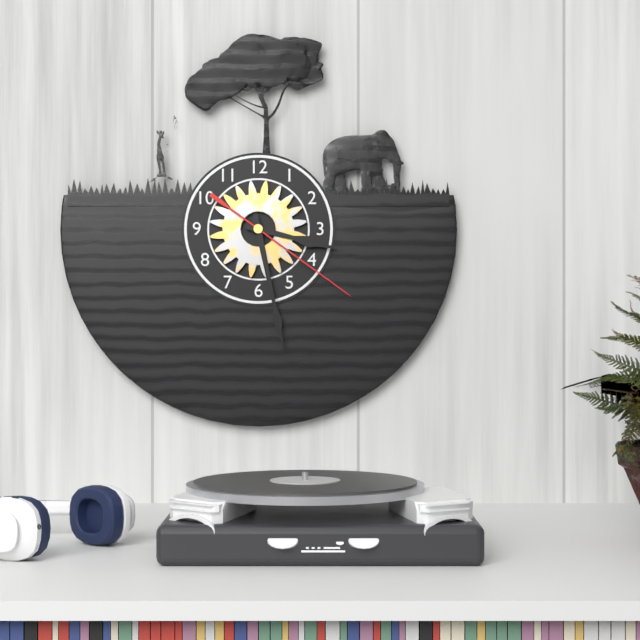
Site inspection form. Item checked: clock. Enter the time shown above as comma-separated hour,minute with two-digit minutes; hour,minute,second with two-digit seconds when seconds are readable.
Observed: 3,28,21
